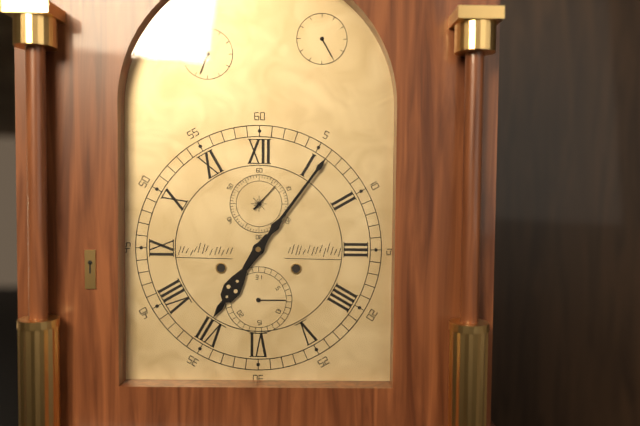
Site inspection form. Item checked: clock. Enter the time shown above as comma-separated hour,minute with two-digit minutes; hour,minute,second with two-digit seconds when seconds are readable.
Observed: 7,06
